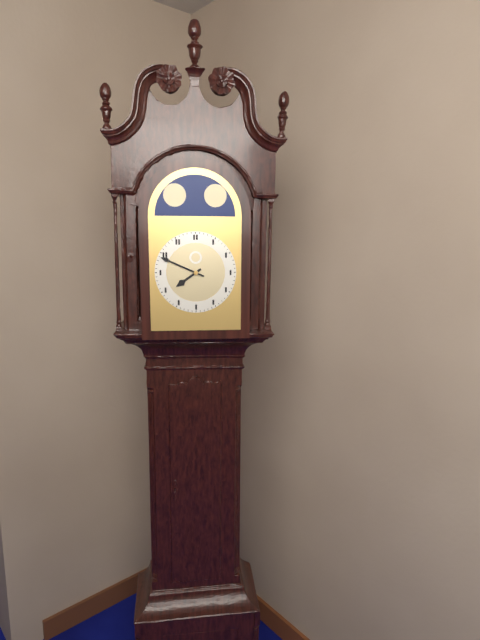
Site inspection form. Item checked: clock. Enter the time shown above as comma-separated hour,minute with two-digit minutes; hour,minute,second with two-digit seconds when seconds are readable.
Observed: 7,49
